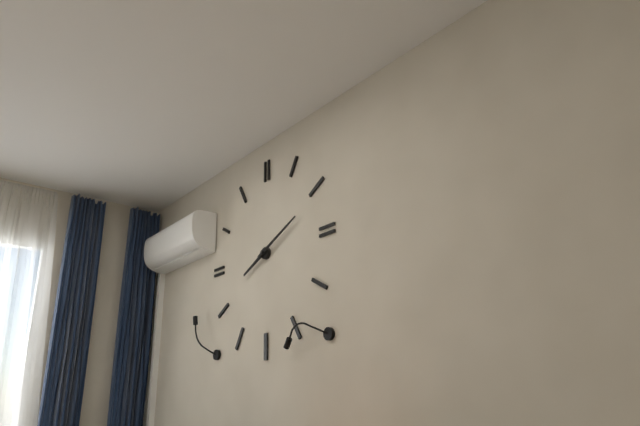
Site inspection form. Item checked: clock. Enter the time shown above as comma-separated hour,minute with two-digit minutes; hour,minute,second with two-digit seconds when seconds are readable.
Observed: 8,11
